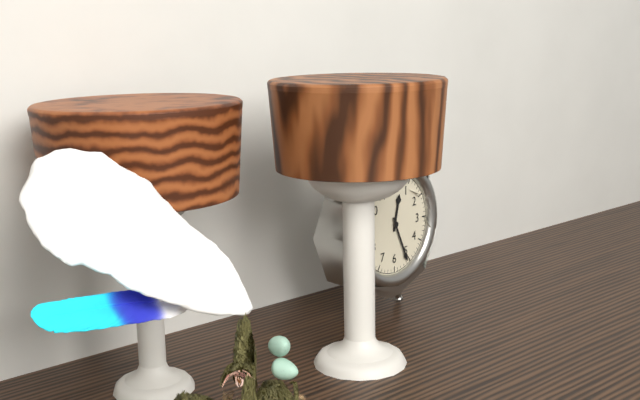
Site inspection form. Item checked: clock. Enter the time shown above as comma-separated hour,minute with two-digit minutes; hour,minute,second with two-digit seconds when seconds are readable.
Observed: 12,26
